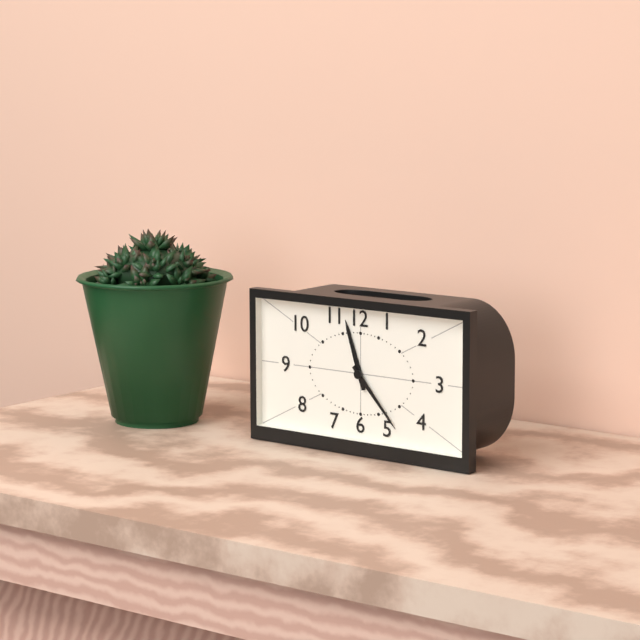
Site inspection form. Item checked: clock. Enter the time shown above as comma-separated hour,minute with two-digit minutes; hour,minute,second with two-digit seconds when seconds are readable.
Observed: 11,23
